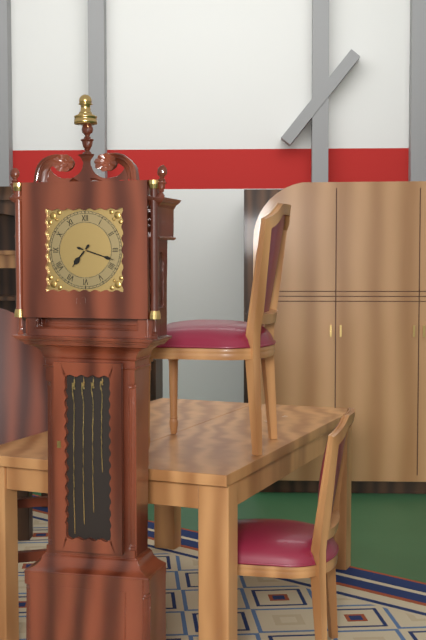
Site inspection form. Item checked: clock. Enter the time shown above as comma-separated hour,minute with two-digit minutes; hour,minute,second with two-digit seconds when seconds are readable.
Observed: 7,18
